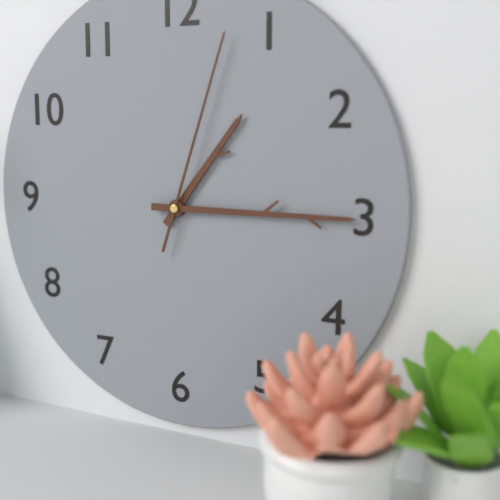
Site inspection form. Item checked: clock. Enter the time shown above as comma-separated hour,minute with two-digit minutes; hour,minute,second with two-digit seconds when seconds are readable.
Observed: 1,15,03
